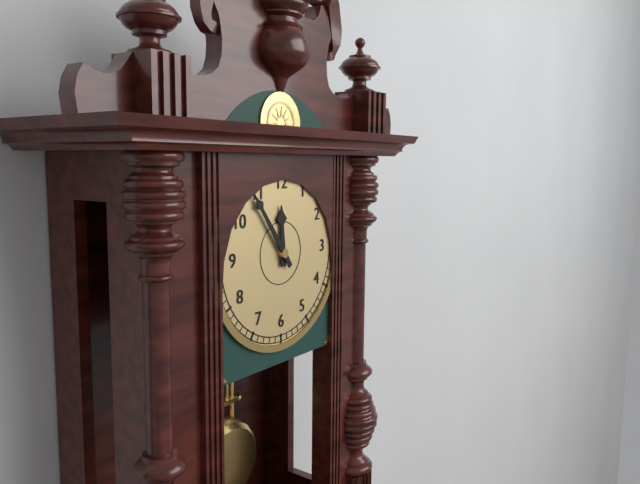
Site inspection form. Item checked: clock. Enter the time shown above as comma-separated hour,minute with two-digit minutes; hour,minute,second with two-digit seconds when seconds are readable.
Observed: 11,54
